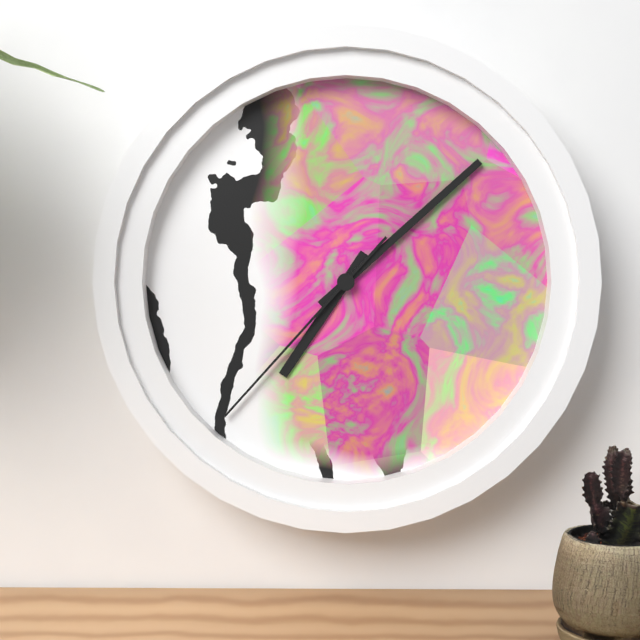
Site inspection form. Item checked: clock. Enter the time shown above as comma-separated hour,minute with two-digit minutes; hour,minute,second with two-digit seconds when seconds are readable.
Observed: 7,08,37
